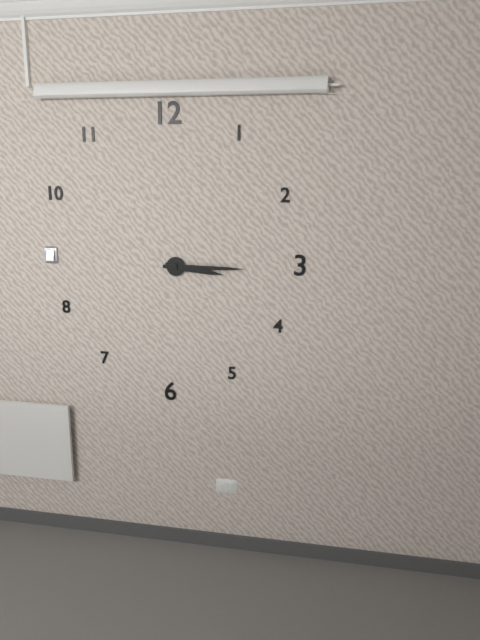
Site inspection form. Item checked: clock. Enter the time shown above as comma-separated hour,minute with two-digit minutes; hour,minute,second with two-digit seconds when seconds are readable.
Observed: 3,15
